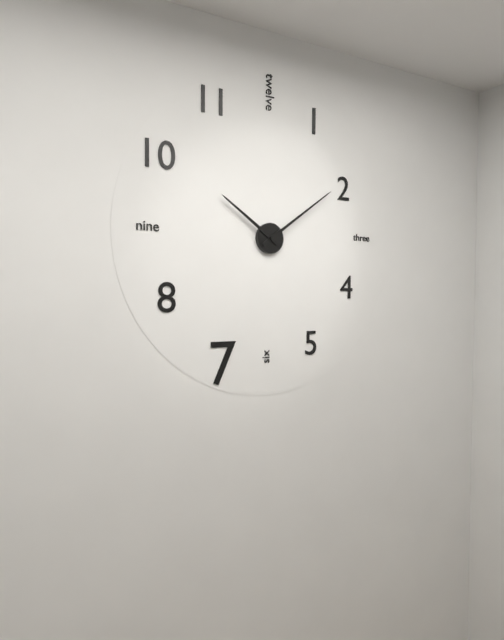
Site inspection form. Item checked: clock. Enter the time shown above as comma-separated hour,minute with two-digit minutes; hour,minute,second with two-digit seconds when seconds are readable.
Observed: 10,09
